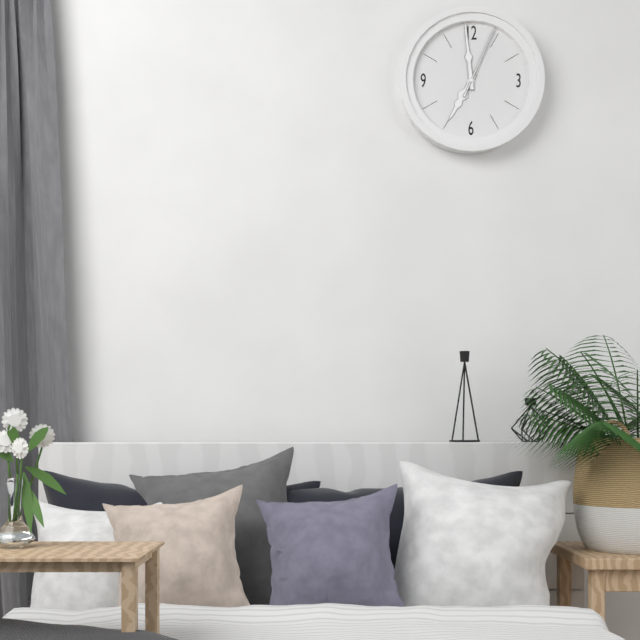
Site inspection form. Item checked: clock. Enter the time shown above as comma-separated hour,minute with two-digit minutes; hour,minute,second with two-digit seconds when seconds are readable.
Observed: 6,59,04
